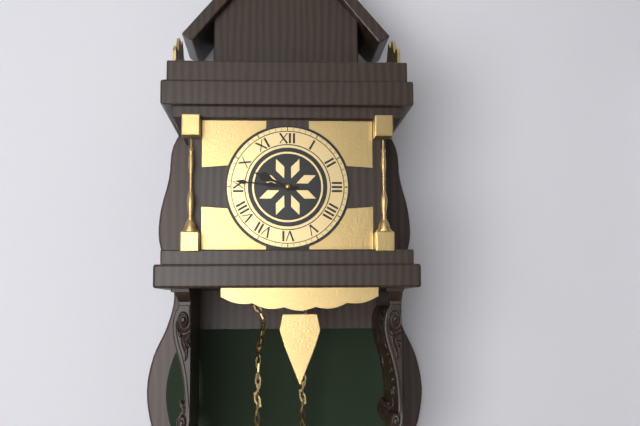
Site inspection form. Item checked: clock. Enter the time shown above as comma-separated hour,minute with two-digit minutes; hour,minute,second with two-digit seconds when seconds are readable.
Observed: 9,46
